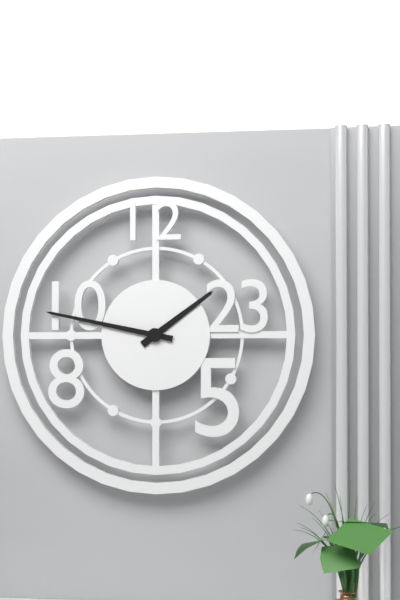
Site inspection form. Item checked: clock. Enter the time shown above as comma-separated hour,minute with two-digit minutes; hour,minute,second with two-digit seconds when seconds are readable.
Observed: 1,47
